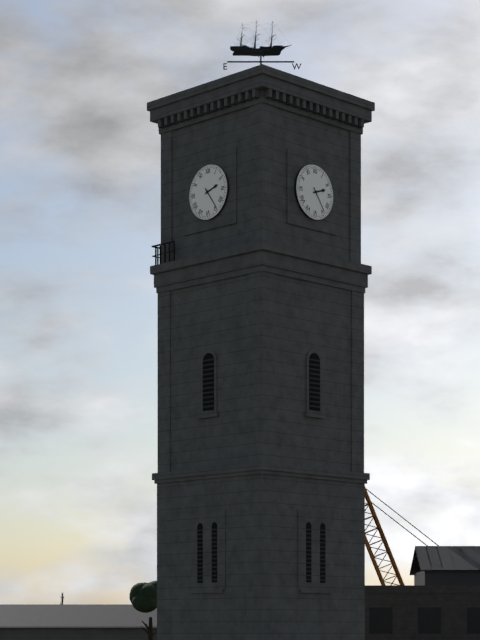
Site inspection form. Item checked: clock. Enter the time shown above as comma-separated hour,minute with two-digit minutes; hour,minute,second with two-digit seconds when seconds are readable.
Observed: 2,24
